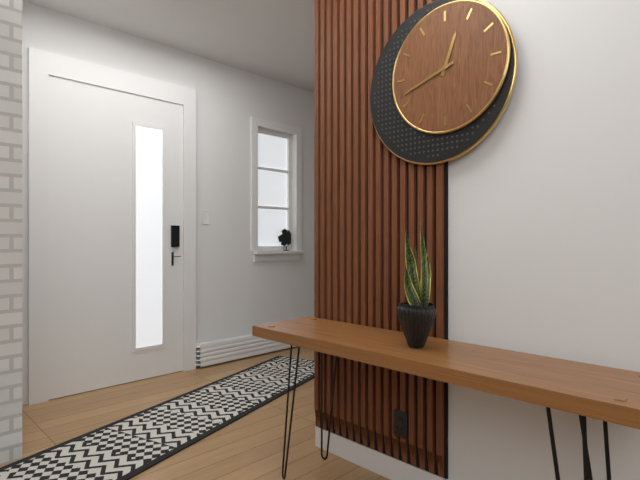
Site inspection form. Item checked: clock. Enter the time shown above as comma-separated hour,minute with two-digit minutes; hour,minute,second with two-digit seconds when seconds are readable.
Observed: 12,42
